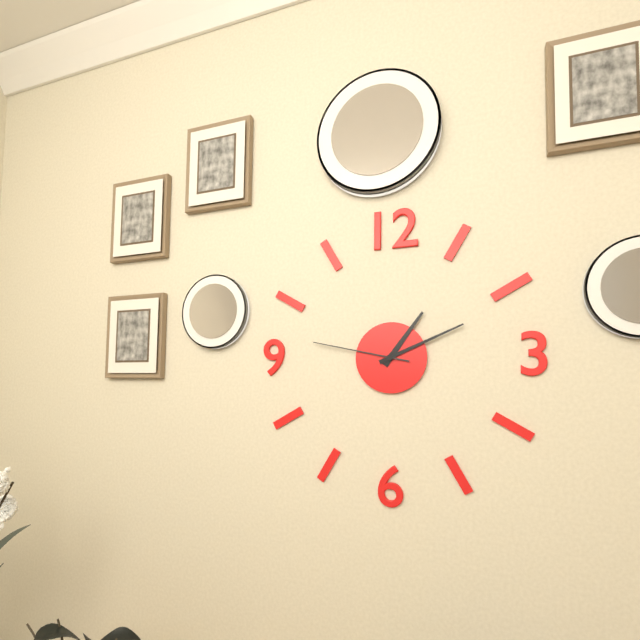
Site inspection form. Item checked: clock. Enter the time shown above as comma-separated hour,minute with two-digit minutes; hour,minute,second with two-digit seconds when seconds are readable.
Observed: 1,11,47
